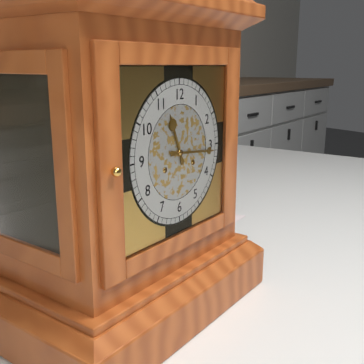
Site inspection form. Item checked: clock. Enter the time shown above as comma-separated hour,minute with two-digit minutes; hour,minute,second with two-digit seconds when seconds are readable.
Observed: 11,16
